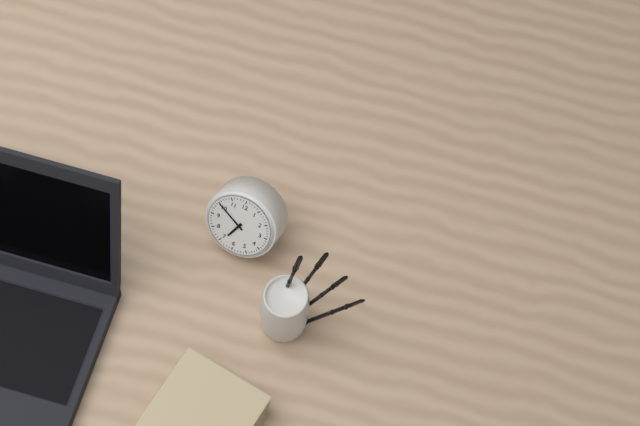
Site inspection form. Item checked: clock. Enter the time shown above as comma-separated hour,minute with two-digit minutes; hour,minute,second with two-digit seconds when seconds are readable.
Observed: 6,50
